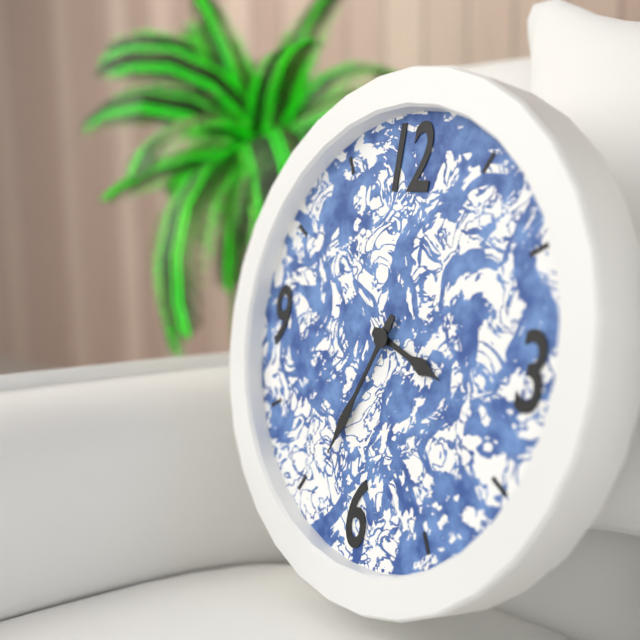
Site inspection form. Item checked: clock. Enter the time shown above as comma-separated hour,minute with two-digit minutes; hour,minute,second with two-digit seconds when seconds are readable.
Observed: 3,34
